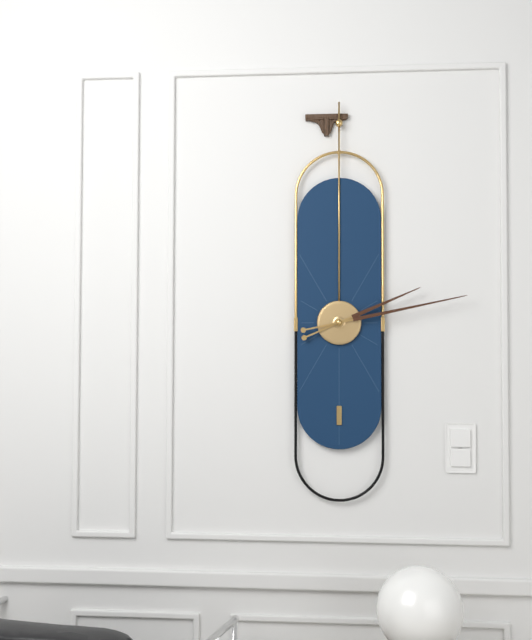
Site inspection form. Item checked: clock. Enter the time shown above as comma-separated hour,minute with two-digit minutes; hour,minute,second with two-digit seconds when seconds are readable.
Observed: 2,13
